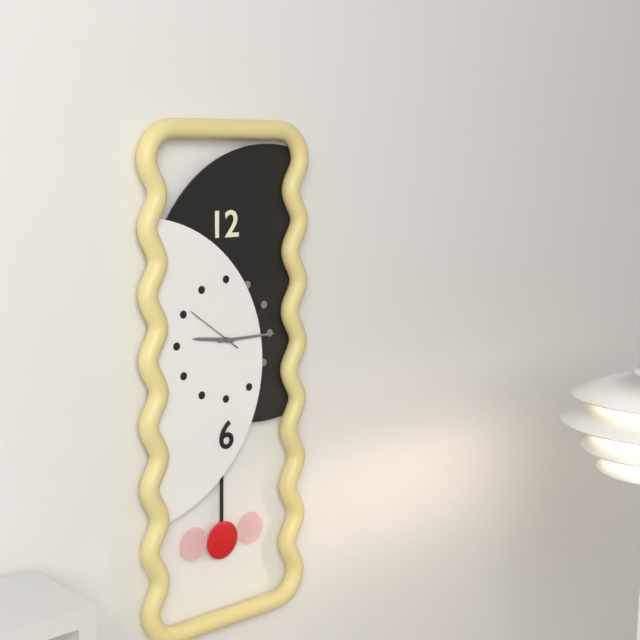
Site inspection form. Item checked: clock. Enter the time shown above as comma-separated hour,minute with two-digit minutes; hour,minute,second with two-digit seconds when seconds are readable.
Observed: 9,15,51
